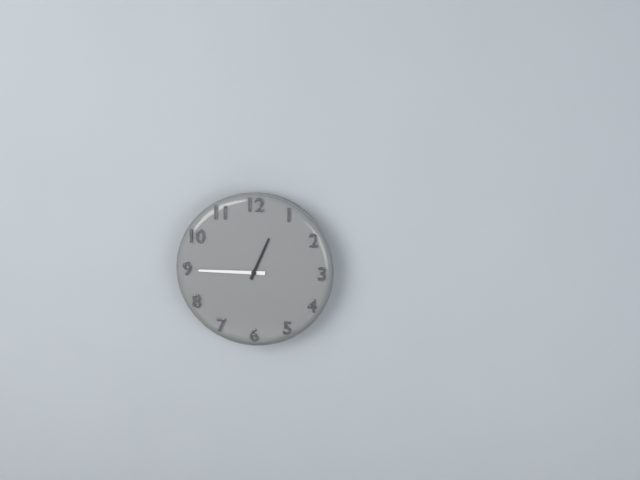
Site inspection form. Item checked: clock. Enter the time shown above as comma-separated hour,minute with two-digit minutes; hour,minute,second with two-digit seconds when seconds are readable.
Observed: 12,45
